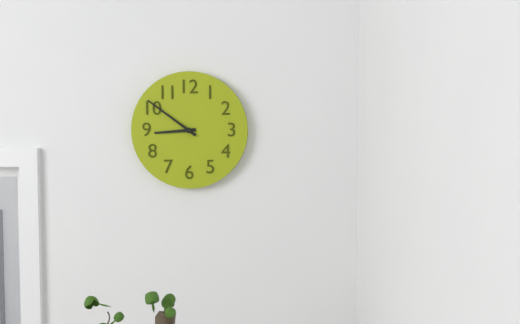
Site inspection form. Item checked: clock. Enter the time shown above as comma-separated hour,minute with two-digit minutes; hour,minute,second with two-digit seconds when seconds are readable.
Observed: 8,51
